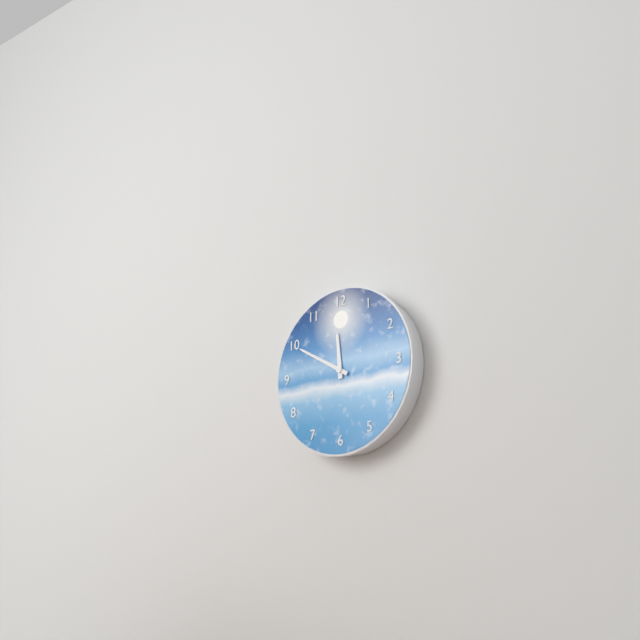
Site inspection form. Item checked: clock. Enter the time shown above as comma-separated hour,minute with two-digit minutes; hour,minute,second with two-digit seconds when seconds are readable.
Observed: 11,50
